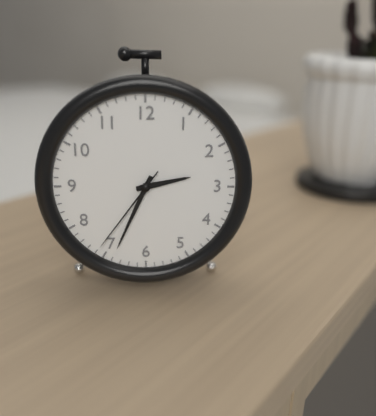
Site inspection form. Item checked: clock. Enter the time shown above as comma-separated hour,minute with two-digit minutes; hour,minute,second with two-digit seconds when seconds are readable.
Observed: 2,34,36
